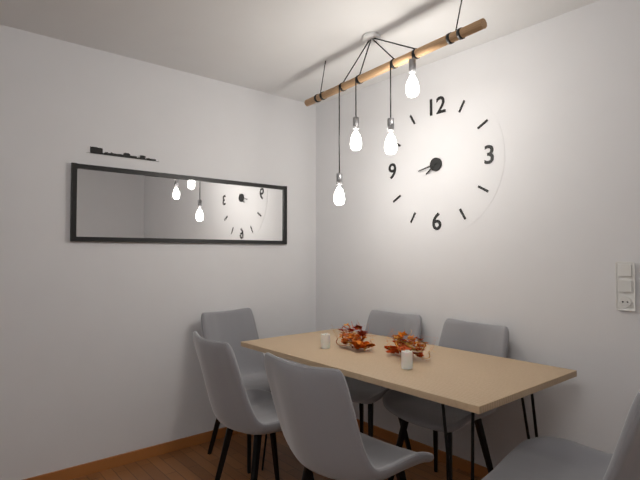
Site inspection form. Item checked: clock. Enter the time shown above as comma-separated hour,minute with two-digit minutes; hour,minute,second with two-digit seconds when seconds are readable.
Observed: 7,43
